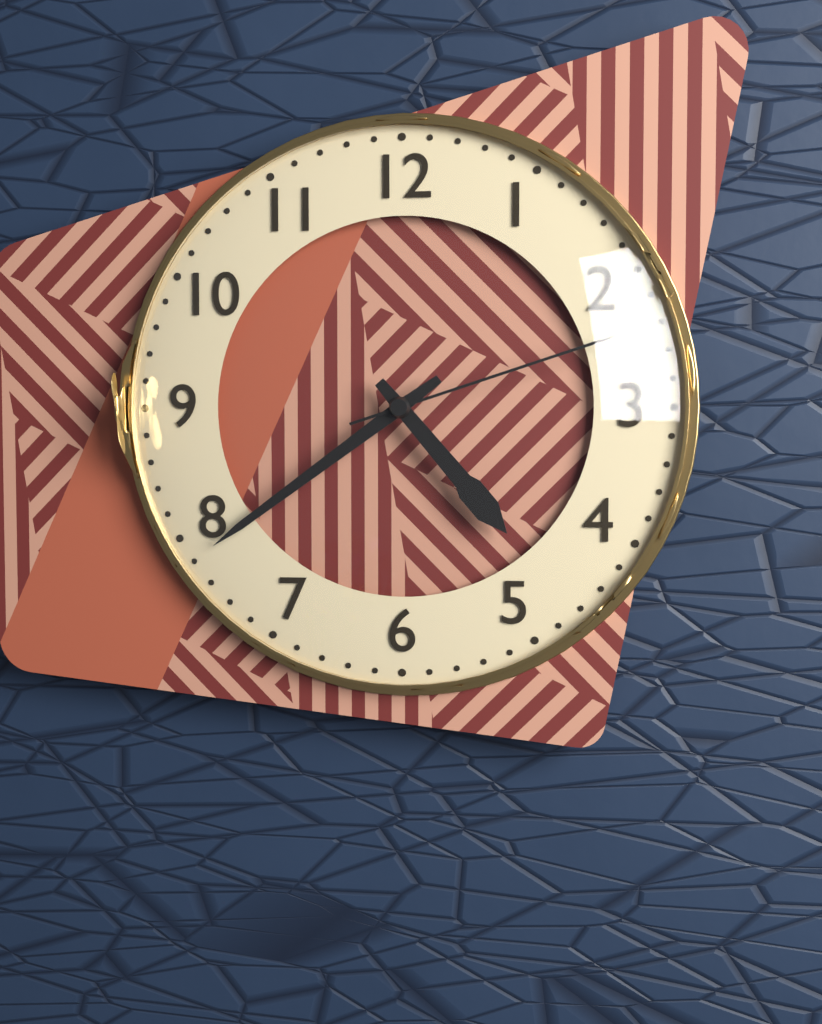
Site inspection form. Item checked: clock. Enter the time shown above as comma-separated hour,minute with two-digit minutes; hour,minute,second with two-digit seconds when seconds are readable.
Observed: 4,39,12
